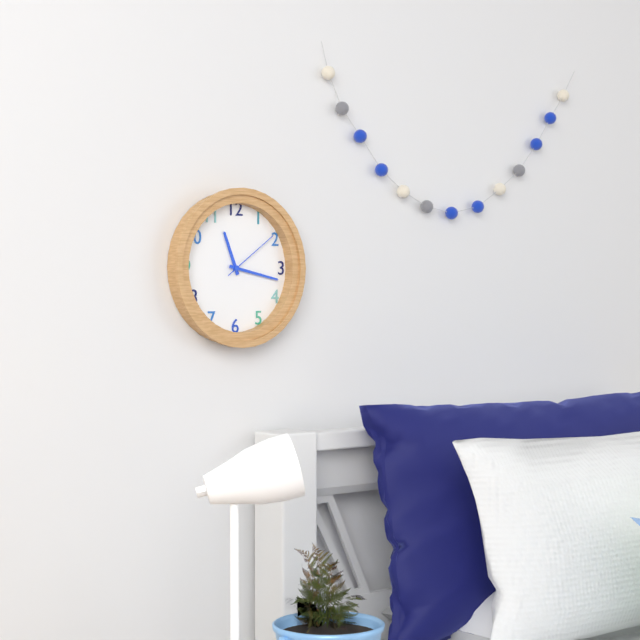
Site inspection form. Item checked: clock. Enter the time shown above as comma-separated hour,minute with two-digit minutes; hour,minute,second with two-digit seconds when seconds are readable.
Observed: 11,17,09
